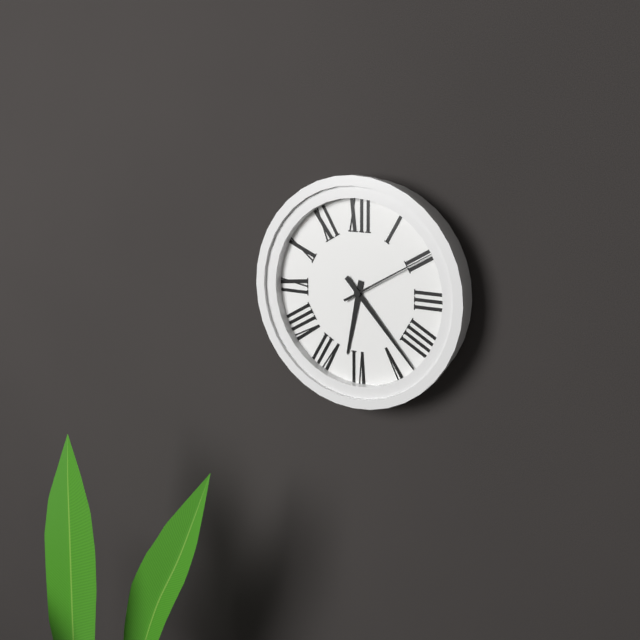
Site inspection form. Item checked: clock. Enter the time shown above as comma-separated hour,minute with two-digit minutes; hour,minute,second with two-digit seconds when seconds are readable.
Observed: 6,23,10
